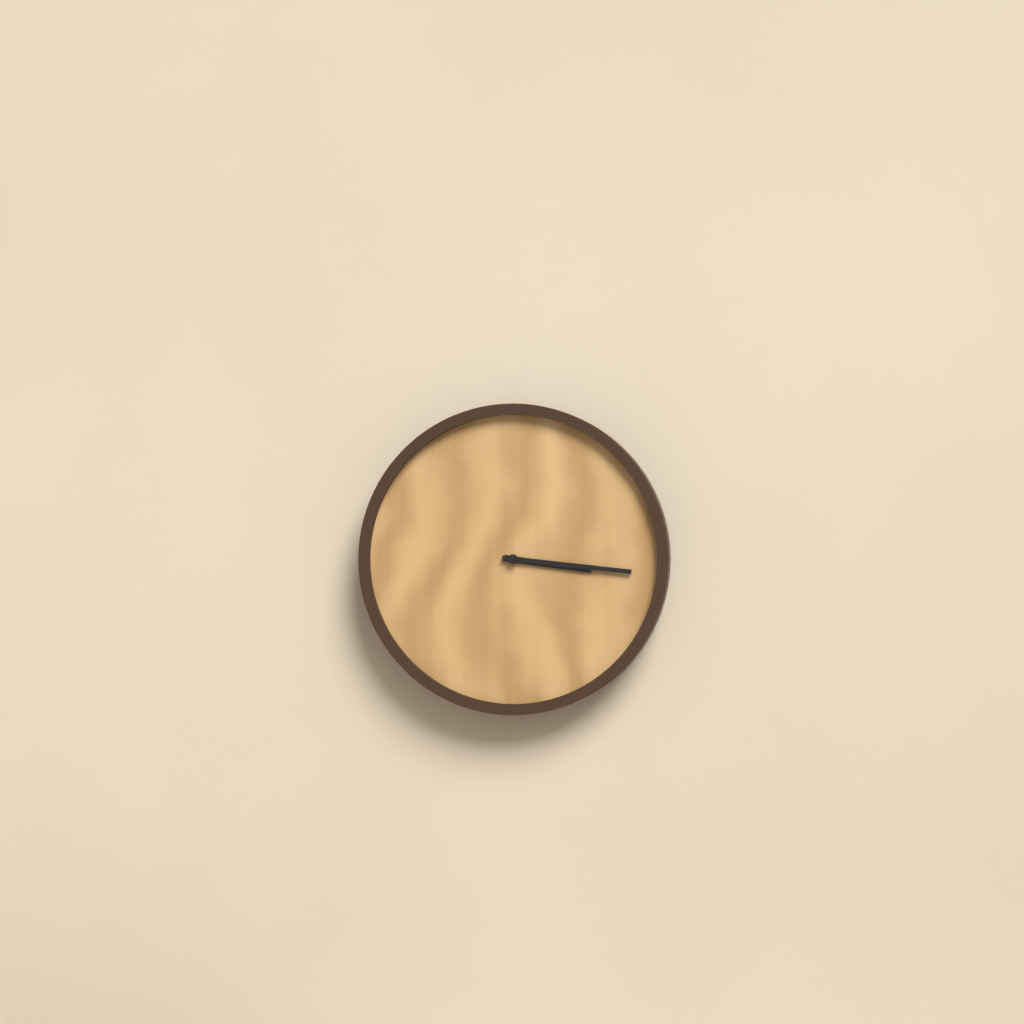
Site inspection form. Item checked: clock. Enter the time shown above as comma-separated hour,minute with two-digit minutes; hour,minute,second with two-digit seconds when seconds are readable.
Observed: 3,16
